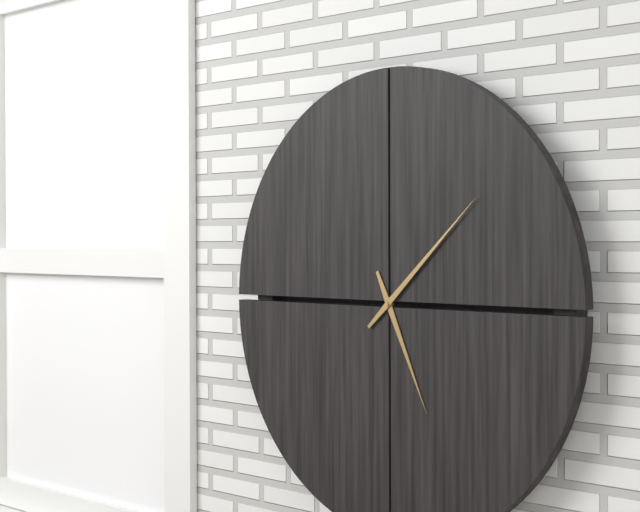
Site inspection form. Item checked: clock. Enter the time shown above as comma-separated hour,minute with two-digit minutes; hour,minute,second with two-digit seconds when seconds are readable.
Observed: 5,08
